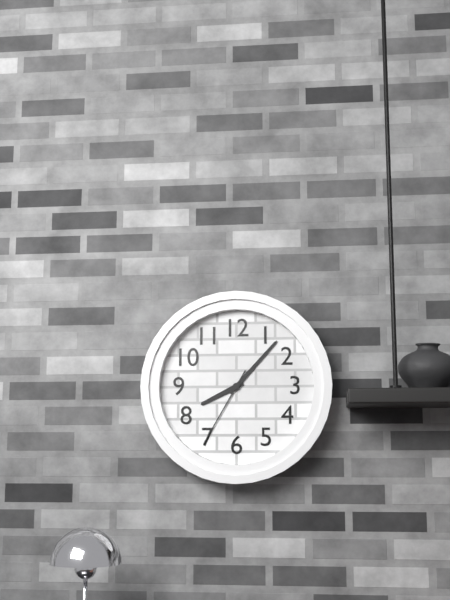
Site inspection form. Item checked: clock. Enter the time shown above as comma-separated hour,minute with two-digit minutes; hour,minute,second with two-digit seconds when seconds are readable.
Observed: 8,07,35
